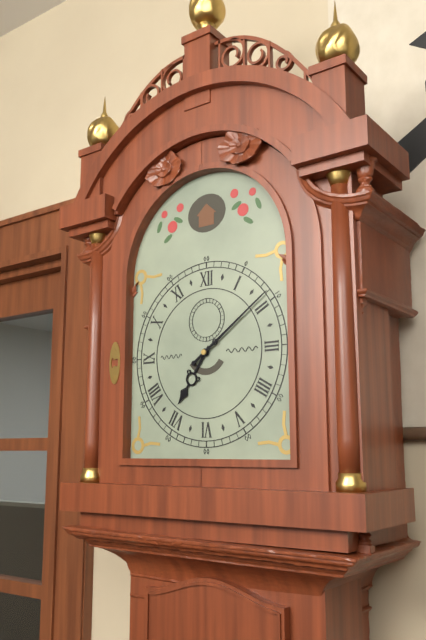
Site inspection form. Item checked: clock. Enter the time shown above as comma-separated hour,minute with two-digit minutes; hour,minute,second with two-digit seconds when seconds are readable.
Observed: 7,09
